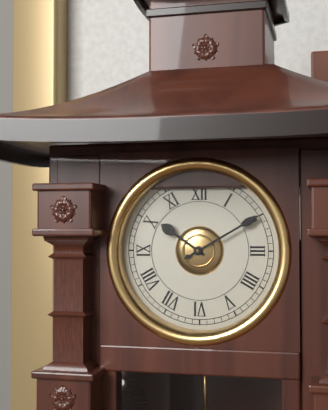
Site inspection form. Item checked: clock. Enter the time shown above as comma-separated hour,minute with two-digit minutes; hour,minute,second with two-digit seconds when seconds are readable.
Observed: 10,10
